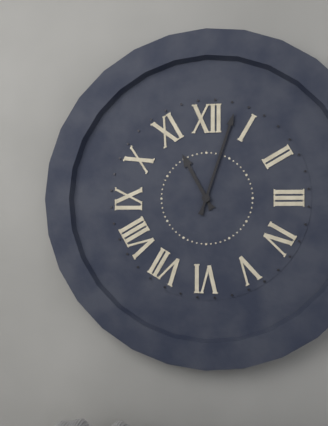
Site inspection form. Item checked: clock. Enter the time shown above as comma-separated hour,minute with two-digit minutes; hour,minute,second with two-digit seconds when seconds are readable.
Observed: 11,03
